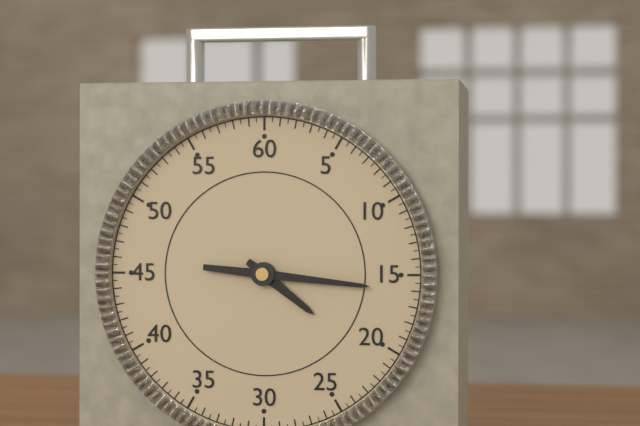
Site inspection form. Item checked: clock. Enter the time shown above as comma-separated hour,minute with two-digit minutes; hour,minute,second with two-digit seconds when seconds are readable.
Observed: 4,16
